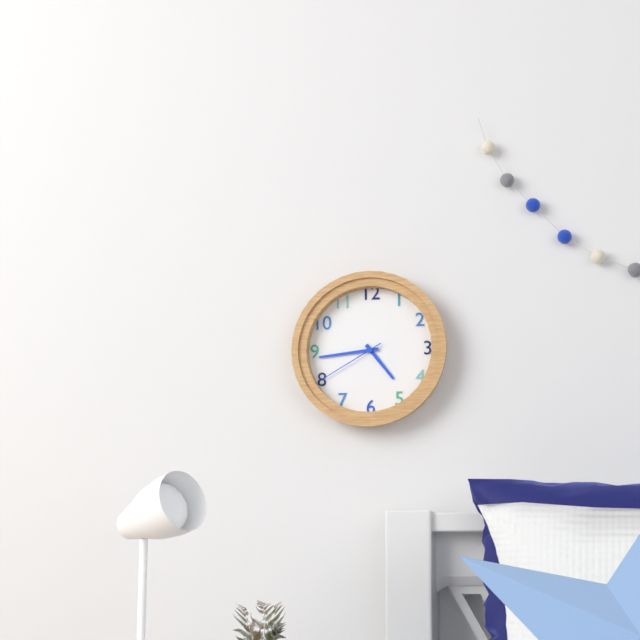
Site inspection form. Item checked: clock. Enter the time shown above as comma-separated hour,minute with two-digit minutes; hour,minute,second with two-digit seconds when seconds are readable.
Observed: 4,44,40
